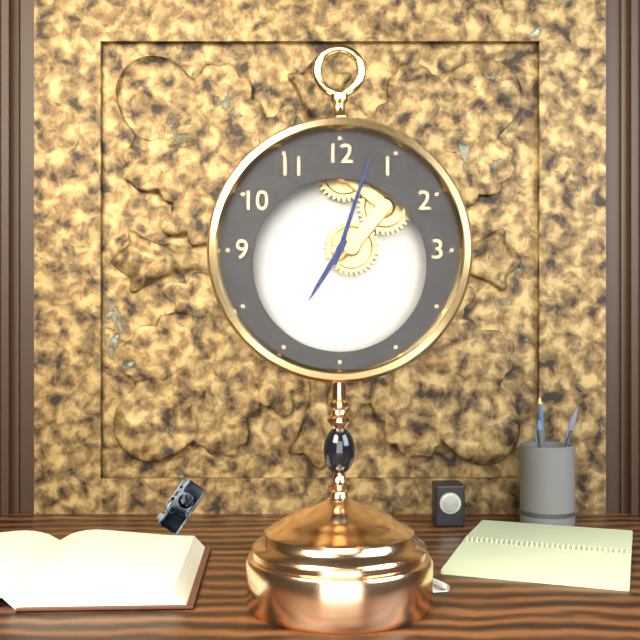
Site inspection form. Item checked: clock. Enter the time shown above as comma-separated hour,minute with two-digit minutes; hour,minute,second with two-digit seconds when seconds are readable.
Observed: 7,03
